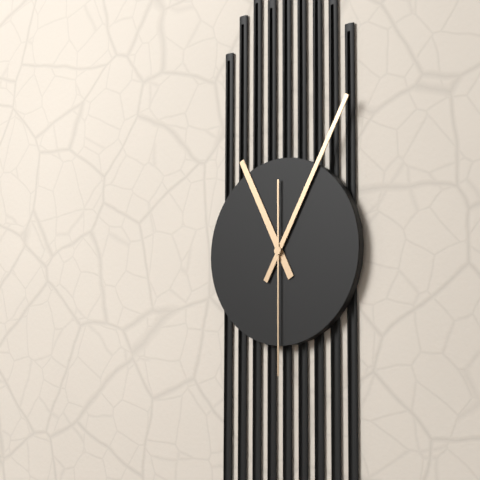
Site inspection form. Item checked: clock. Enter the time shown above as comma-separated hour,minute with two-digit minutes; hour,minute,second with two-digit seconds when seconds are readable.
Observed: 11,05,30
